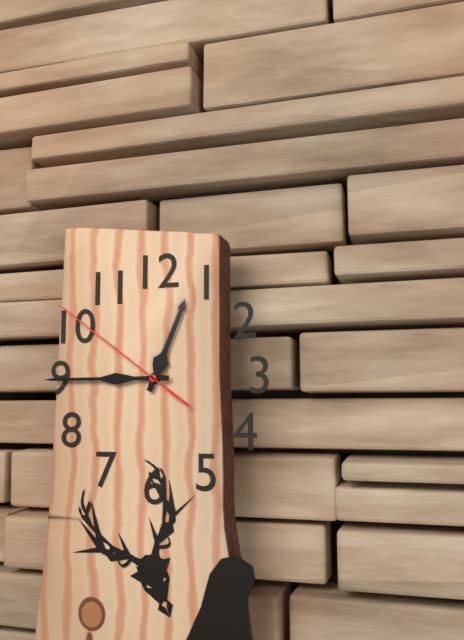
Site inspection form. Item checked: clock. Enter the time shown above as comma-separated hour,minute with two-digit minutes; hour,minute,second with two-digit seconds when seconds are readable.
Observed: 12,45,51
